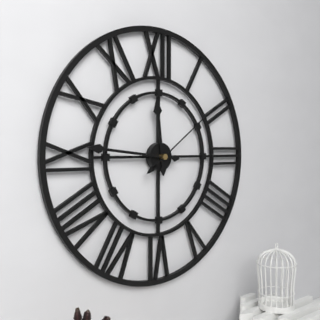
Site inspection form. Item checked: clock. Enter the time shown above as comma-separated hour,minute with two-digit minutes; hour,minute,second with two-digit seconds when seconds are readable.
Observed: 11,46,09
